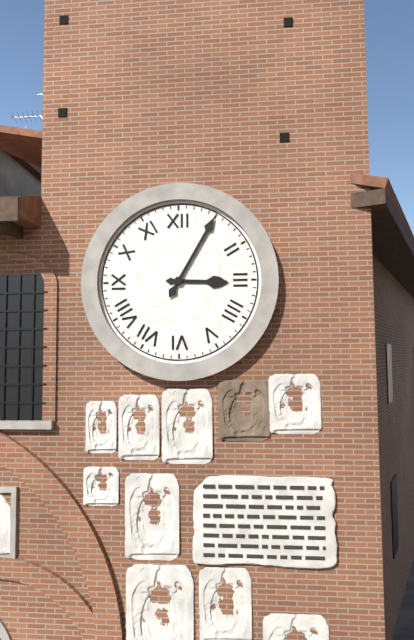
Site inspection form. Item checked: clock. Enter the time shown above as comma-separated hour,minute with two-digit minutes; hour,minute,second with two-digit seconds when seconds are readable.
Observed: 3,05
